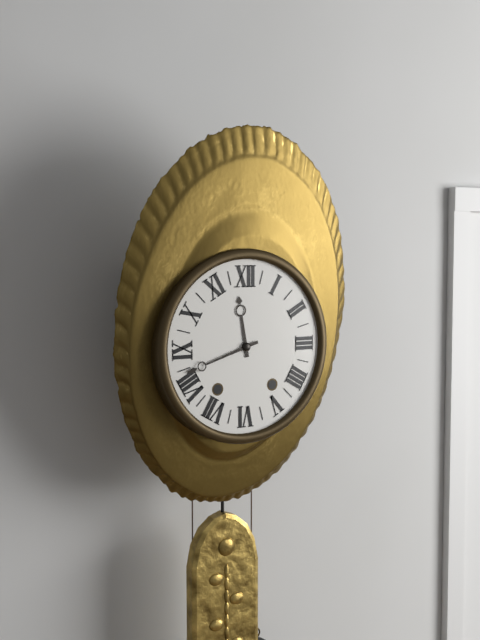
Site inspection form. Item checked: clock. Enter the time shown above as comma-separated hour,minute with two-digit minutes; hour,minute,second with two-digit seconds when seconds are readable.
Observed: 11,42
